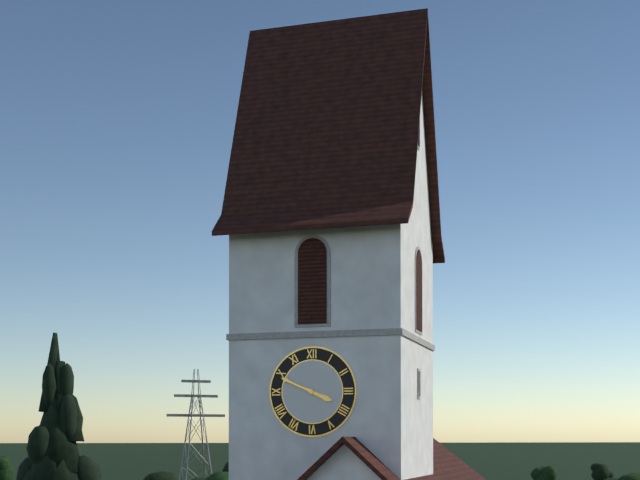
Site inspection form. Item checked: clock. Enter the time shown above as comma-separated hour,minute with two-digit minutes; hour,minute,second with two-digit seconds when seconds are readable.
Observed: 3,49
